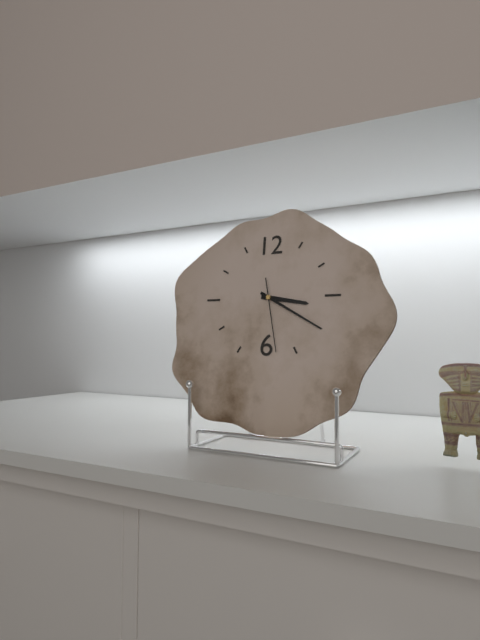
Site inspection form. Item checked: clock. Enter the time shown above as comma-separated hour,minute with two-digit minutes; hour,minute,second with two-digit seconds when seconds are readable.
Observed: 3,20,28
